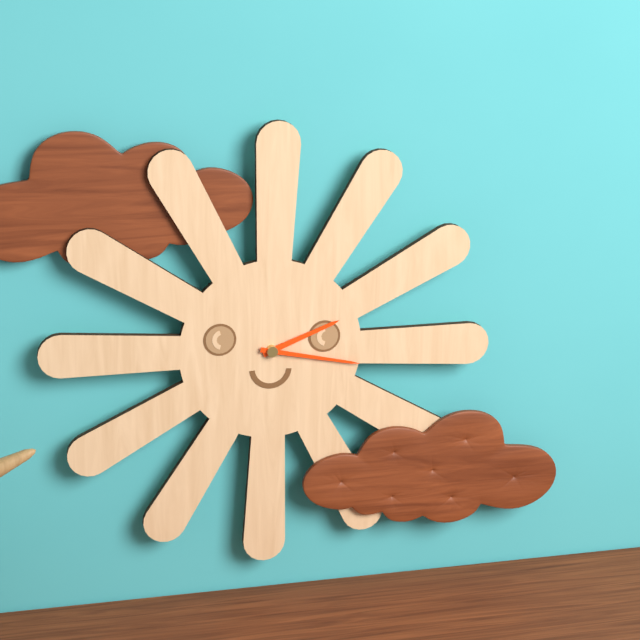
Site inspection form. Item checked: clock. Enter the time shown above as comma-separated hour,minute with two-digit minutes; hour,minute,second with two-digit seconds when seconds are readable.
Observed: 2,17
